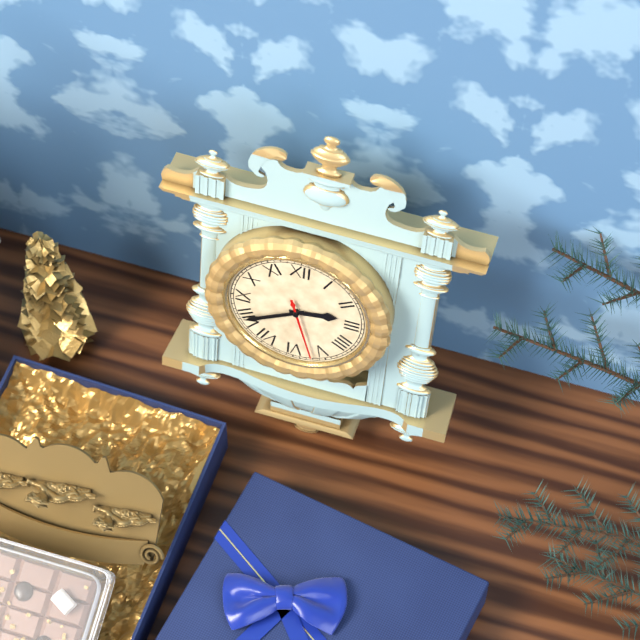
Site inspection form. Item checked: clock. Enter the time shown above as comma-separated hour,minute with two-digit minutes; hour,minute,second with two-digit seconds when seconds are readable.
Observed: 2,40,27
